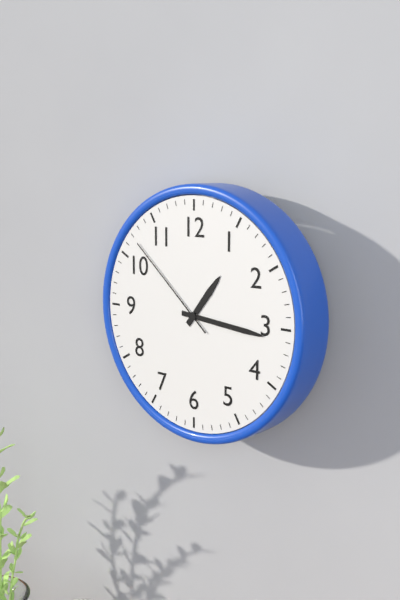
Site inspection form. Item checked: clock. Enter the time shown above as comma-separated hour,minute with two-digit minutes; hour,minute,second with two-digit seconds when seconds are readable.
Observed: 1,16,52
